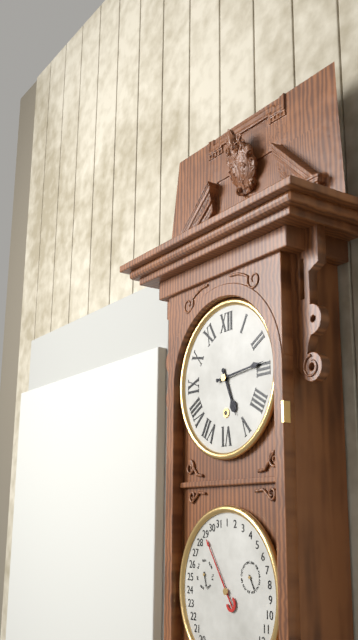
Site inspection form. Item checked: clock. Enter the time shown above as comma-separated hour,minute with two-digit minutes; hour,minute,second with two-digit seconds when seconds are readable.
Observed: 5,14
